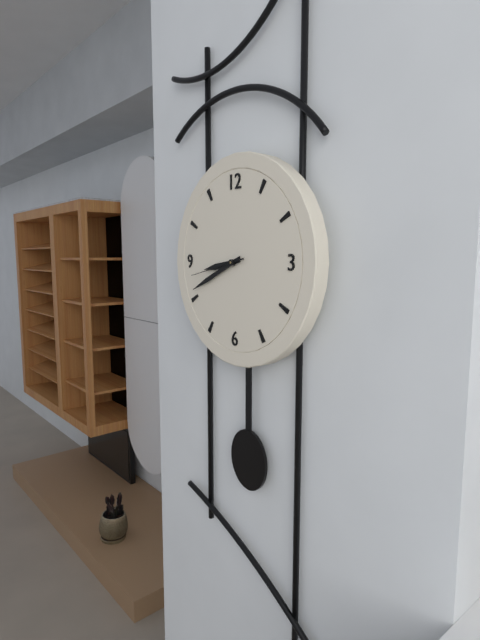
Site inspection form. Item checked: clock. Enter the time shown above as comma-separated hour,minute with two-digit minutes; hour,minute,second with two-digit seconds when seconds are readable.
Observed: 8,41,43
